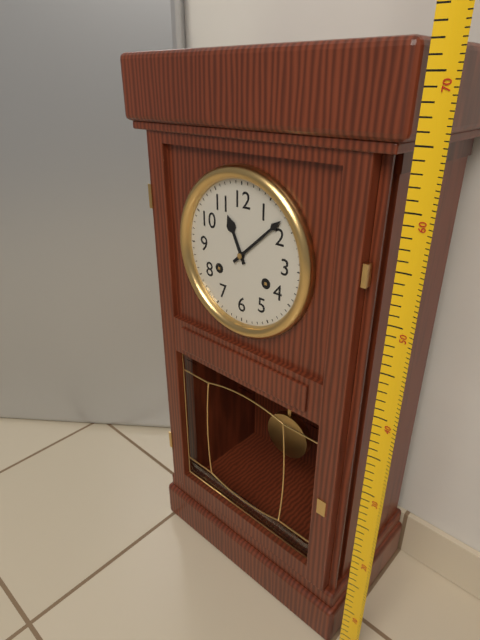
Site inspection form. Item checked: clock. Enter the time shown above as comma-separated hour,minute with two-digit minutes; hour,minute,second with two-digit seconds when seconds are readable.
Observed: 11,08
